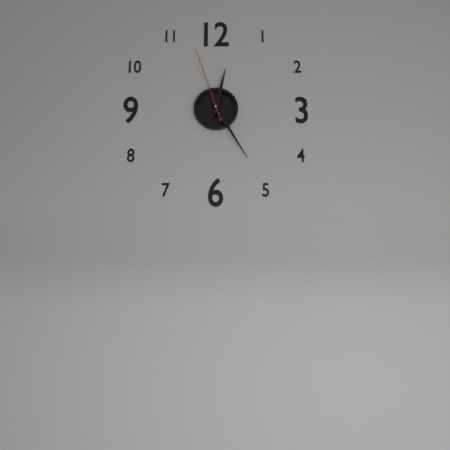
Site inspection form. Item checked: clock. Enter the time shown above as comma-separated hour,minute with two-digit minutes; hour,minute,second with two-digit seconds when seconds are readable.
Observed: 12,25,57
